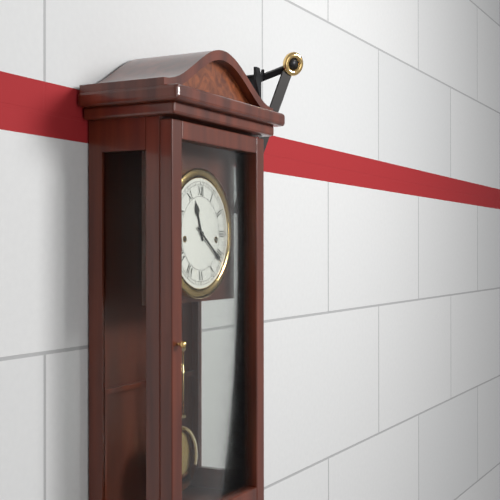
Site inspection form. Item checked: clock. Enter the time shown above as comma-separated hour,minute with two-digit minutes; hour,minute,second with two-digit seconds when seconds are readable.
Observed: 11,21
